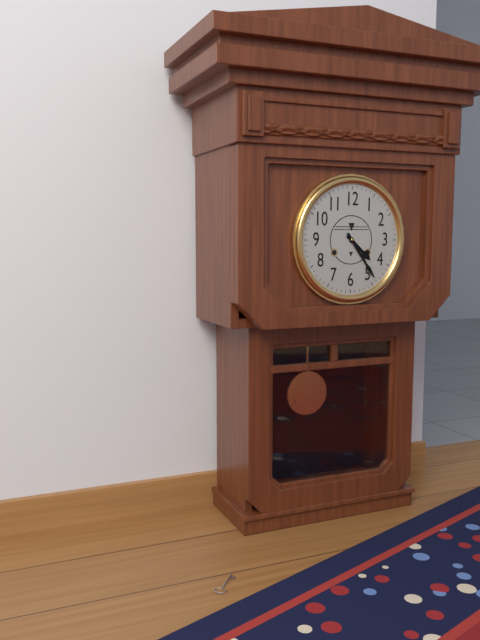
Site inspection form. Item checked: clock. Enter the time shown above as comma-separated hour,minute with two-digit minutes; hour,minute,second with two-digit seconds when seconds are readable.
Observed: 4,24
